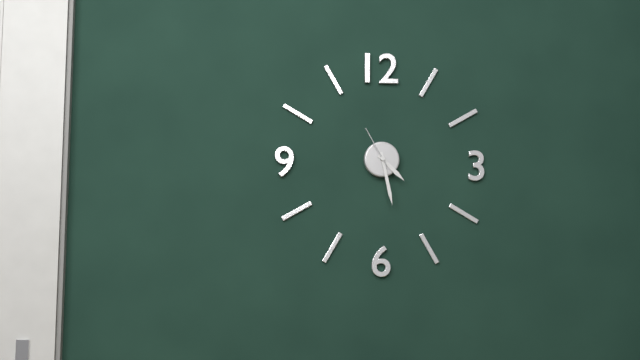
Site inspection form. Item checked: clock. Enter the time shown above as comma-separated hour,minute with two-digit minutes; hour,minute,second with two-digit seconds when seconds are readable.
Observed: 4,28
